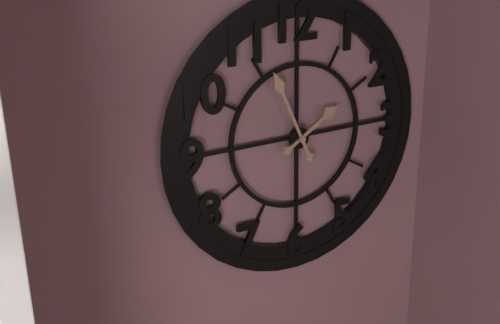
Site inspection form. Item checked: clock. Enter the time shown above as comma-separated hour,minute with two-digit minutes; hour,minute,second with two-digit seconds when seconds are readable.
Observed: 1,56
